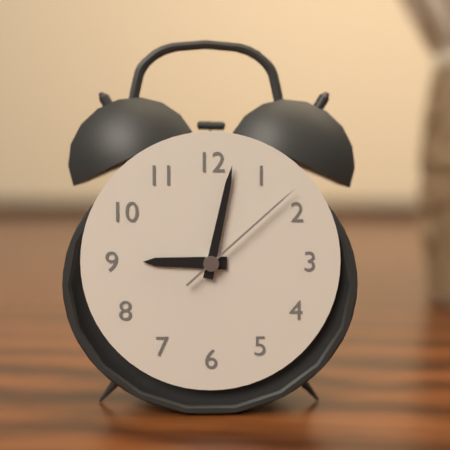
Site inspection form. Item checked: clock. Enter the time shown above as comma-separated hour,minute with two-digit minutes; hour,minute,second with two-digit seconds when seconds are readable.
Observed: 9,02,08
